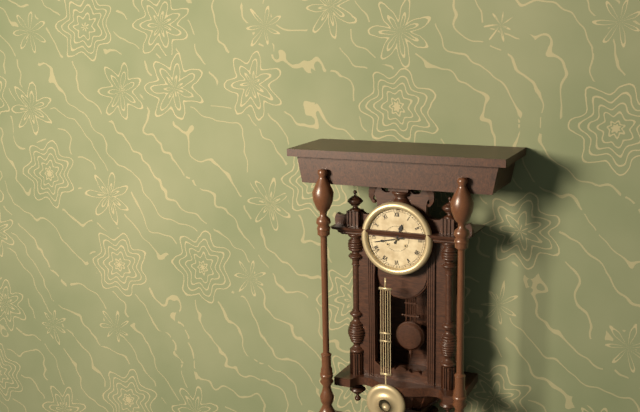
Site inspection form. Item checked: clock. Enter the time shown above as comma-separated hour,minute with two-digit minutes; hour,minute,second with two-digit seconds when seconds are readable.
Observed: 12,43
